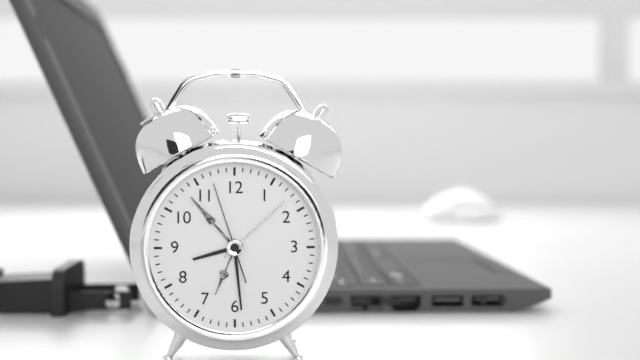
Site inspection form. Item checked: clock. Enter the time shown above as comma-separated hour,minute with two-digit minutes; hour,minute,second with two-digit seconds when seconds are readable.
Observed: 8,29,57
